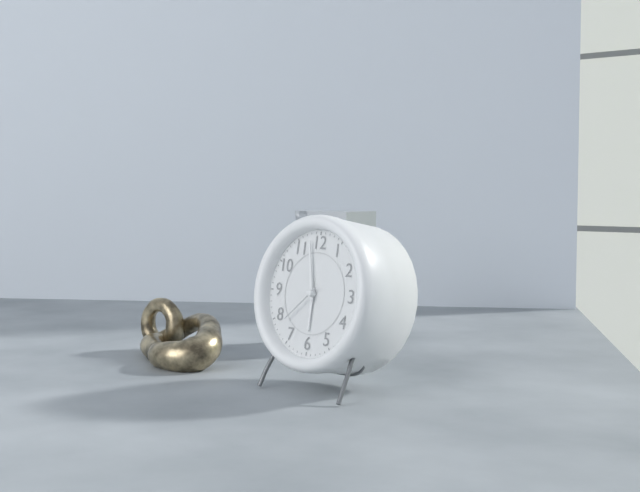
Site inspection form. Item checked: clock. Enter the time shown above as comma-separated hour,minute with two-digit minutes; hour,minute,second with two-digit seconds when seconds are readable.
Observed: 5,58
